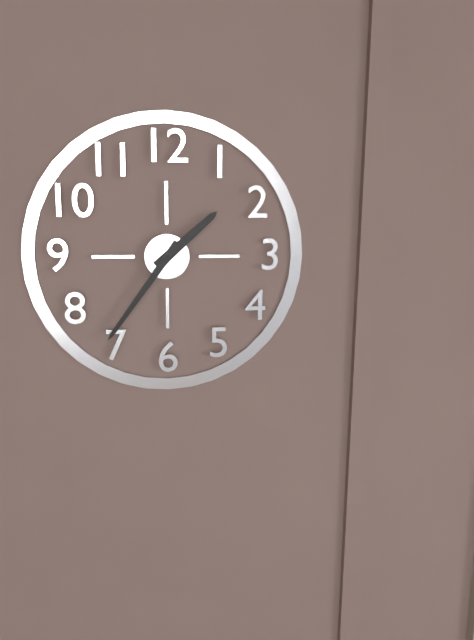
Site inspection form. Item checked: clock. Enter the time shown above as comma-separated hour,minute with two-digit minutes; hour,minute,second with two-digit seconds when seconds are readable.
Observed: 1,36
